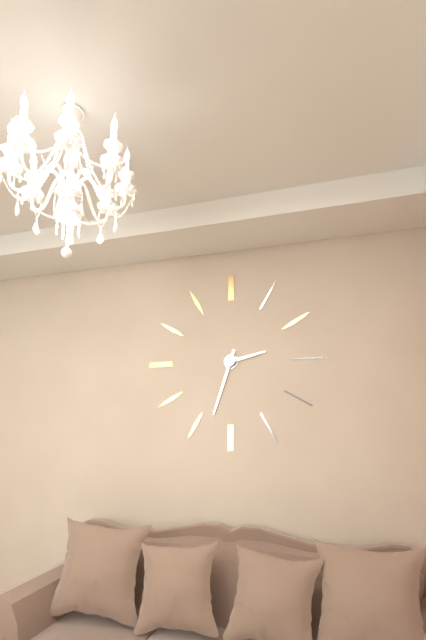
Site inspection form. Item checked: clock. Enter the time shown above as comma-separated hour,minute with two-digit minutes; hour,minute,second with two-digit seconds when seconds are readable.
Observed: 2,33
